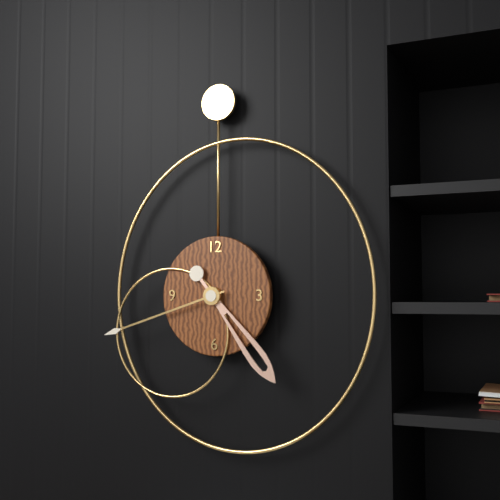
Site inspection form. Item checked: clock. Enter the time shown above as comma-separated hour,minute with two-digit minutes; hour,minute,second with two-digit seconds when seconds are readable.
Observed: 4,42
